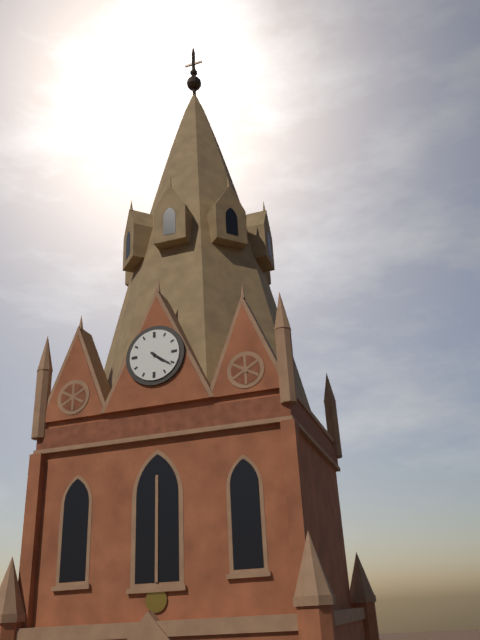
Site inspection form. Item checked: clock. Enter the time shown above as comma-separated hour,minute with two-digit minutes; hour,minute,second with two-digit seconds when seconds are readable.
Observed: 4,21
